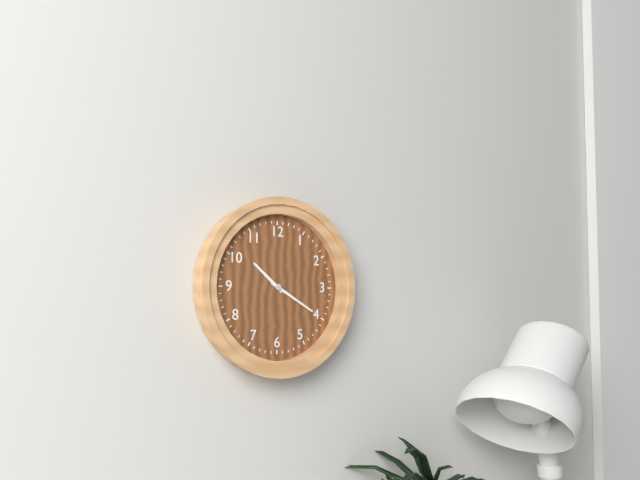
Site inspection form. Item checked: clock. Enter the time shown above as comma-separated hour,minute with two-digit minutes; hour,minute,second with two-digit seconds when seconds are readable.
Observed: 10,20
